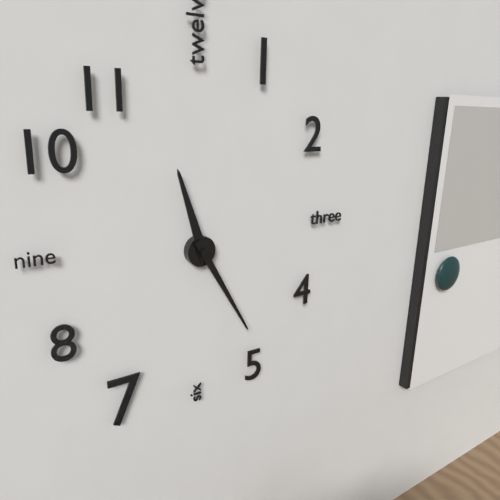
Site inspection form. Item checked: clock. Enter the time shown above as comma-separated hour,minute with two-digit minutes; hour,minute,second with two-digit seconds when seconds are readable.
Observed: 11,25
